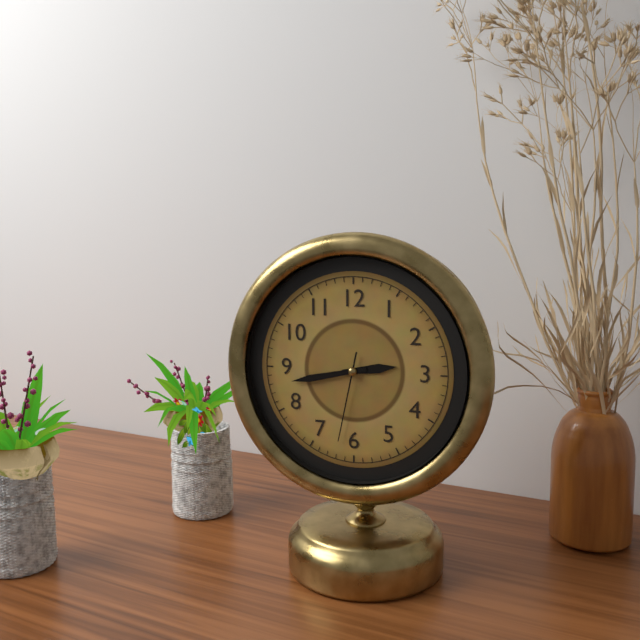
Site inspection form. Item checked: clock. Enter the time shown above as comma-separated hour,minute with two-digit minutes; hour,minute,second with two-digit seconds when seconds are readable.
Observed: 2,43,32
